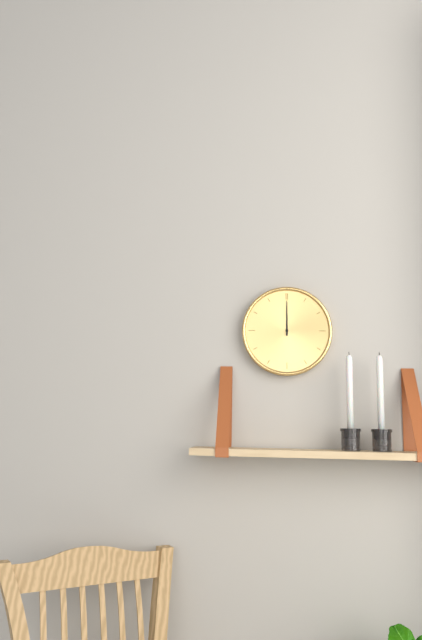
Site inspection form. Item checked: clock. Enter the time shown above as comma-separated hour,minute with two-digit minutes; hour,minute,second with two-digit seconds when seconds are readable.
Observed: 12,00
